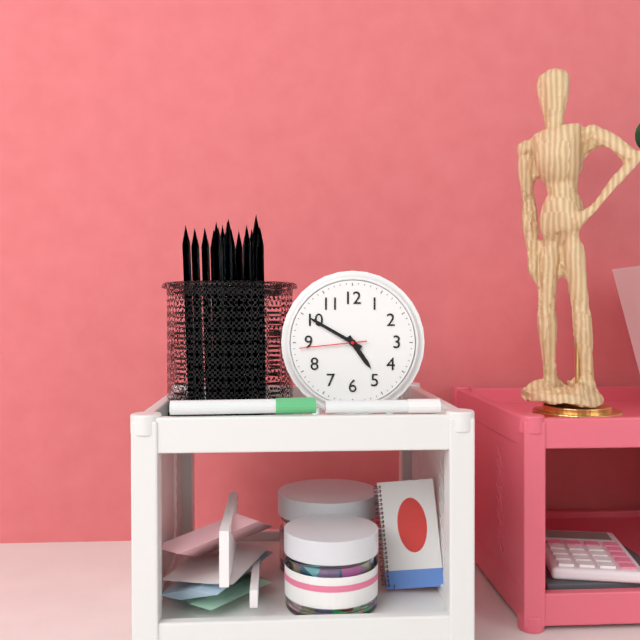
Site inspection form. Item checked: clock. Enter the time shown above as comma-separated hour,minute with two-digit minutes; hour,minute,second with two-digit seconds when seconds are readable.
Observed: 4,50,44
